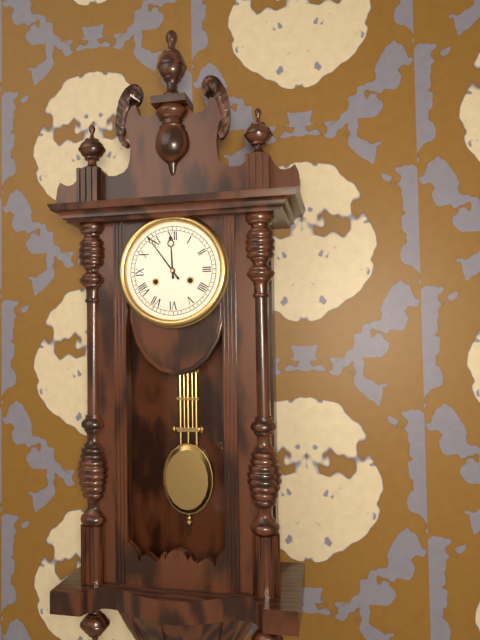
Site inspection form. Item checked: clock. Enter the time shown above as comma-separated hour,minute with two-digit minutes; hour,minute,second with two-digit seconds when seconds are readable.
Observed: 11,54
